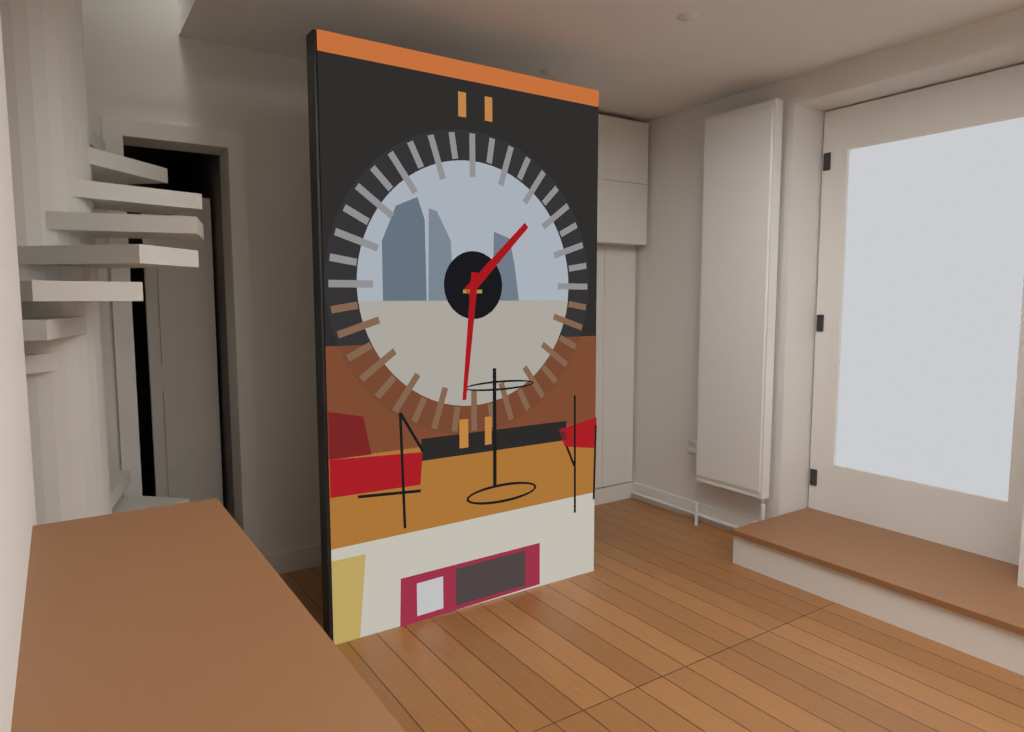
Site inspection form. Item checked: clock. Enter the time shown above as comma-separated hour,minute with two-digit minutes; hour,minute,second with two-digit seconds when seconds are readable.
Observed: 1,31
